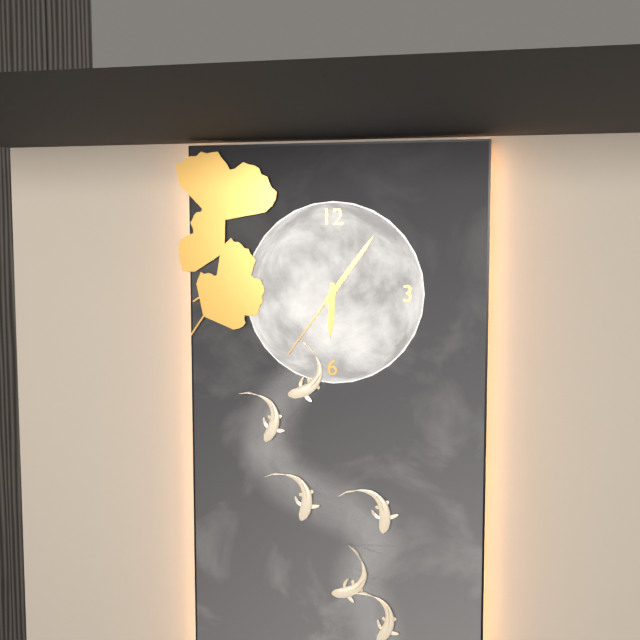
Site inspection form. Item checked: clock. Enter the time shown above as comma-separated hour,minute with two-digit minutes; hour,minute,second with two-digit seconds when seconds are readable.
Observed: 6,06,36
